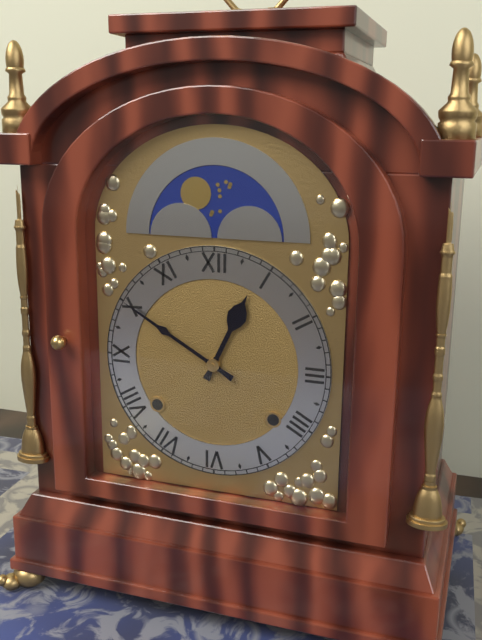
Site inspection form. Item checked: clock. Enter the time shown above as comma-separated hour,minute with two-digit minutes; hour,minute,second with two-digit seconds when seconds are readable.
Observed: 12,50
